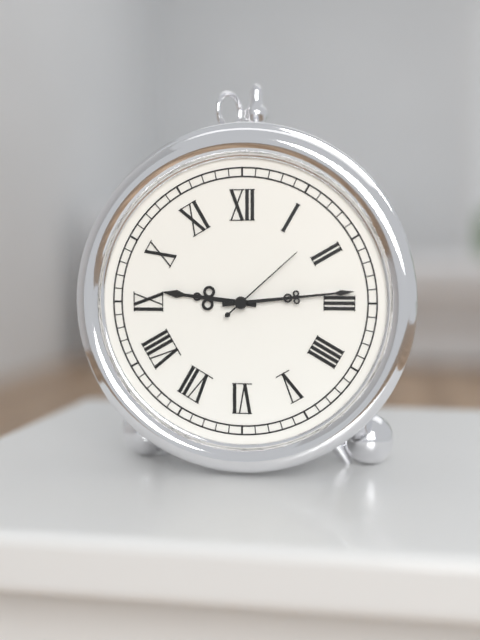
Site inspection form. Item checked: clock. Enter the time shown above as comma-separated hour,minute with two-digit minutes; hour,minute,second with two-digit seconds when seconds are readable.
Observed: 9,14,08
